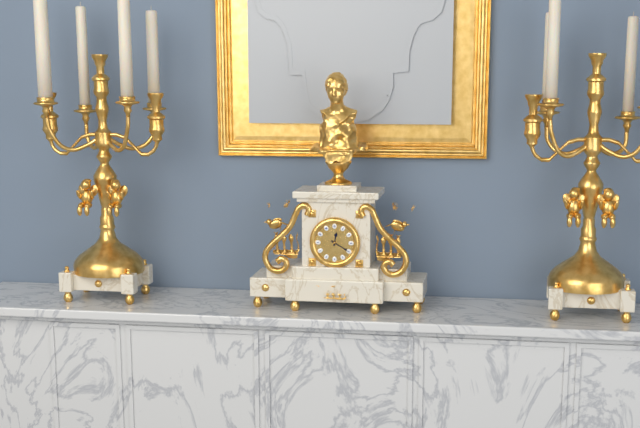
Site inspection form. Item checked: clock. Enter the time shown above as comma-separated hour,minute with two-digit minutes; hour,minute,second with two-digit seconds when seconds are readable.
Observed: 12,20
